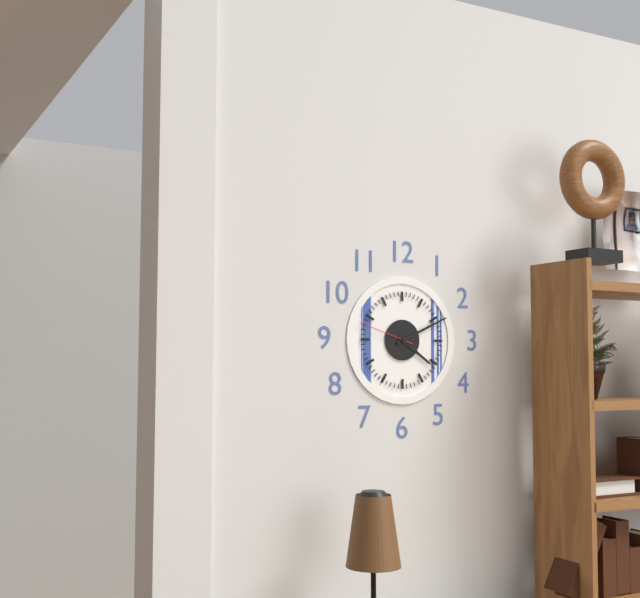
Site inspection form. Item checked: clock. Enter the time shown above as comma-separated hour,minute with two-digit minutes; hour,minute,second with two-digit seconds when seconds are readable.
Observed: 4,11,48
